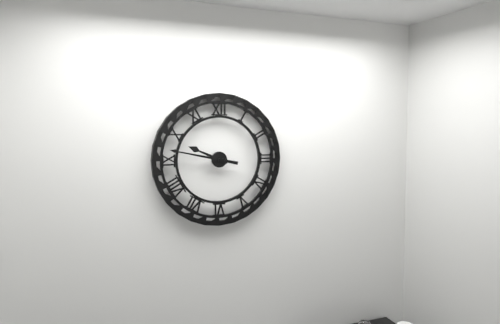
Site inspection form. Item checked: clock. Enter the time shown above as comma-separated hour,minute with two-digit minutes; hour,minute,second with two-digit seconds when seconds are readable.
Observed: 9,47
